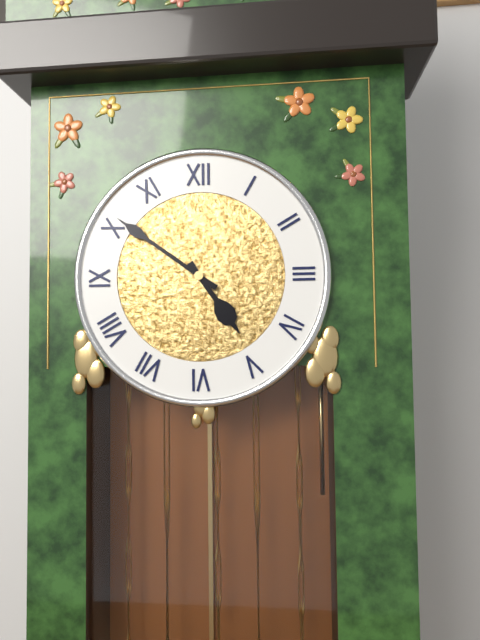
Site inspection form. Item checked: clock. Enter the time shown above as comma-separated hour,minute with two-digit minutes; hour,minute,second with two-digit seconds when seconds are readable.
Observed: 4,51
